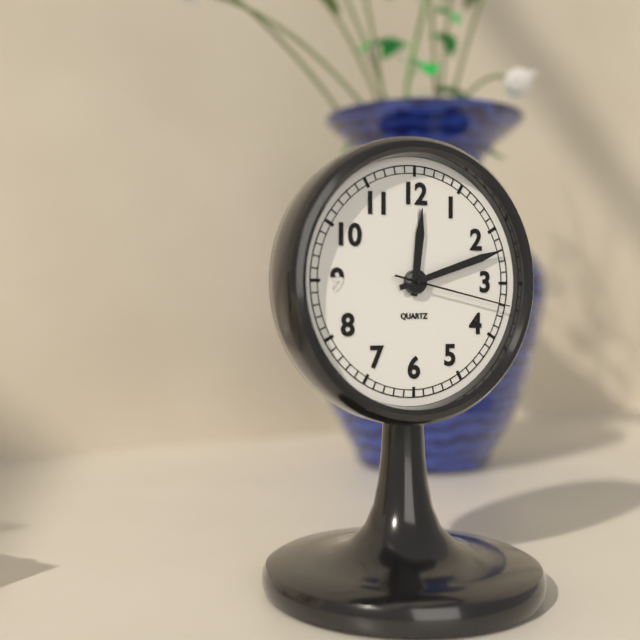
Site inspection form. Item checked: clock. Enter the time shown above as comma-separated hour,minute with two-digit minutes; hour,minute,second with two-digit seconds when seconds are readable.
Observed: 12,12,17
